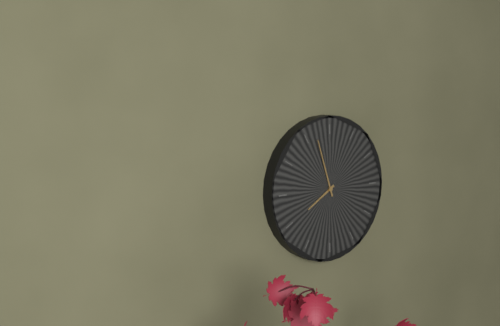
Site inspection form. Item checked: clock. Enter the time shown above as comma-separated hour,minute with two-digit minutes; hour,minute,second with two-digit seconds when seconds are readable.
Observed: 7,57
